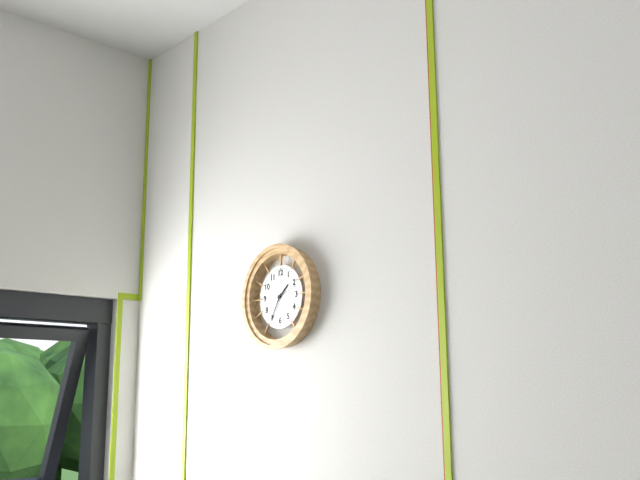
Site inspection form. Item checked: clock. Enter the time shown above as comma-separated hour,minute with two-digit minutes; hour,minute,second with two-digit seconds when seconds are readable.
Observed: 1,35
